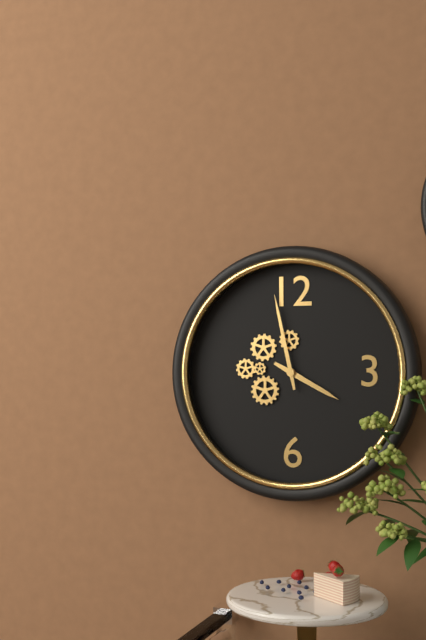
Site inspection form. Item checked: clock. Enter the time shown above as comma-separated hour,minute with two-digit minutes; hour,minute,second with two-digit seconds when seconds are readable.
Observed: 3,58
